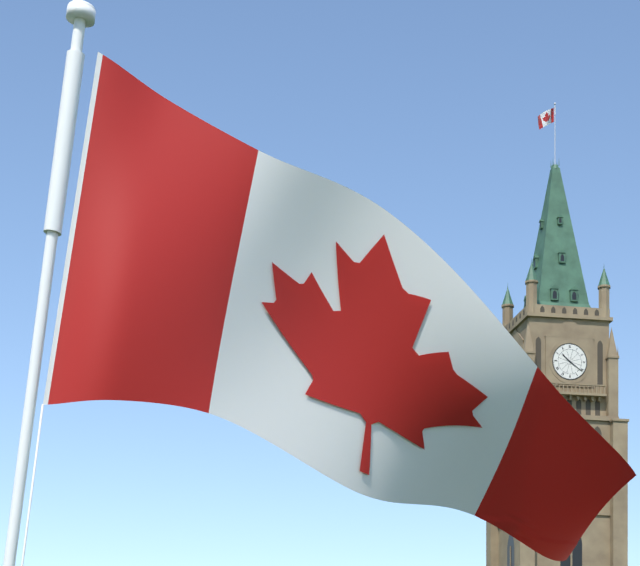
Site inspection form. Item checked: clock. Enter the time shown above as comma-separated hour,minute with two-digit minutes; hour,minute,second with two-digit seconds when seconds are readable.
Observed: 10,21
